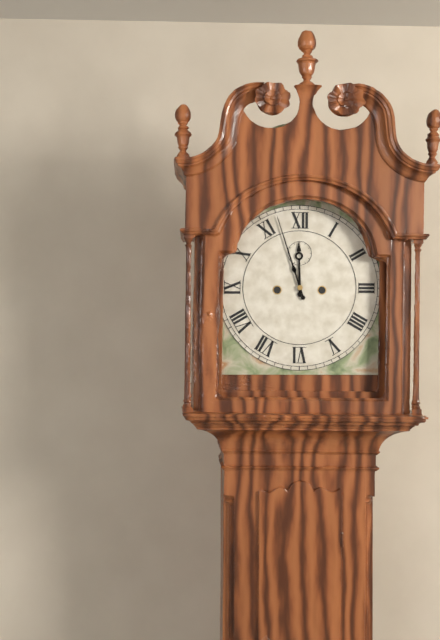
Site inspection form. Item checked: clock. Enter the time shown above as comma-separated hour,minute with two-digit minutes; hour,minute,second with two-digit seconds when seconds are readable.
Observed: 11,57
